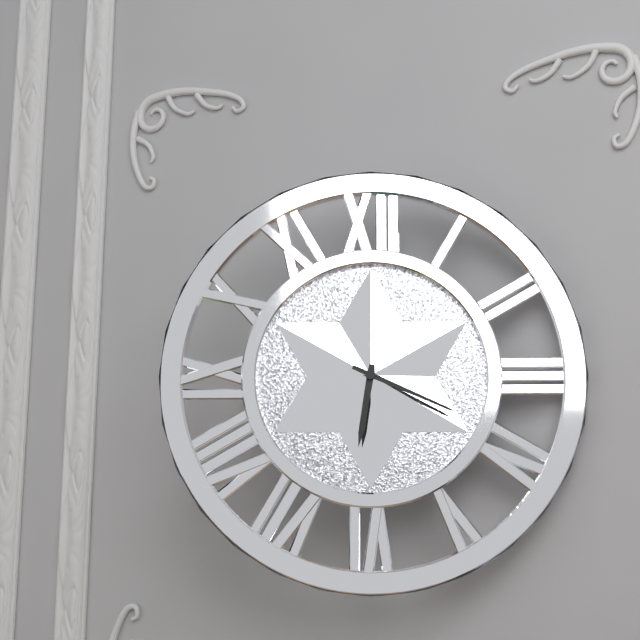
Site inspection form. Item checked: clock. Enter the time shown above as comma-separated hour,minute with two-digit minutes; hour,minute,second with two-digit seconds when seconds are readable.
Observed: 6,19
